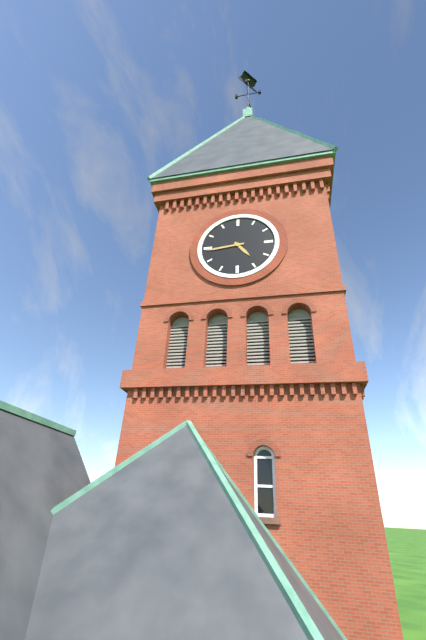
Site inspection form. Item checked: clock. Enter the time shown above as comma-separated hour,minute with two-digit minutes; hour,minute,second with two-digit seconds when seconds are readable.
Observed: 4,44
